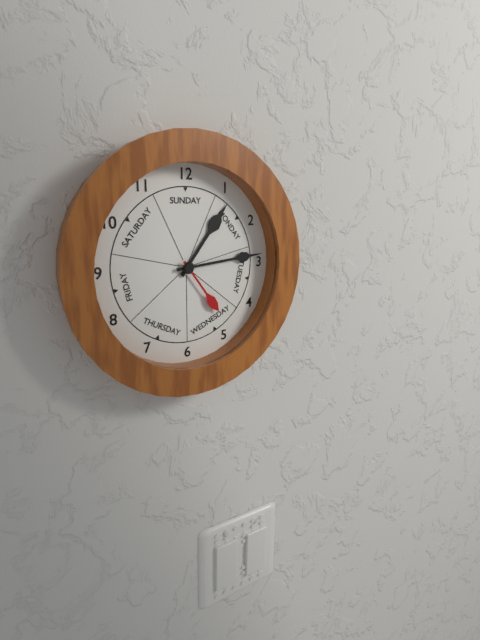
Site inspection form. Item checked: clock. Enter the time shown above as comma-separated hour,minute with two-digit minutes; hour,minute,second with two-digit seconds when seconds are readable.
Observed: 1,14,24
